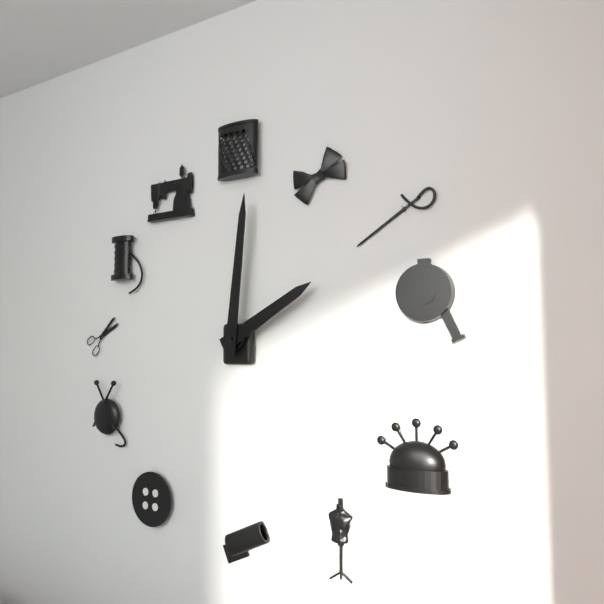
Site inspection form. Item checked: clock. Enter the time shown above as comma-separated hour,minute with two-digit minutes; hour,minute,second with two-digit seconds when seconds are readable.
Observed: 2,01
